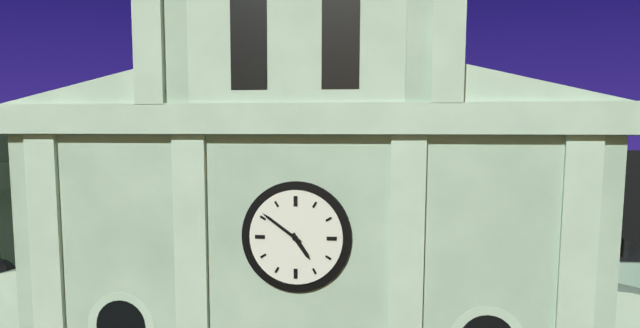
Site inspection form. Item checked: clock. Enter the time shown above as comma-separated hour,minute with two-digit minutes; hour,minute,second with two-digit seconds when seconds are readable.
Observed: 4,51
